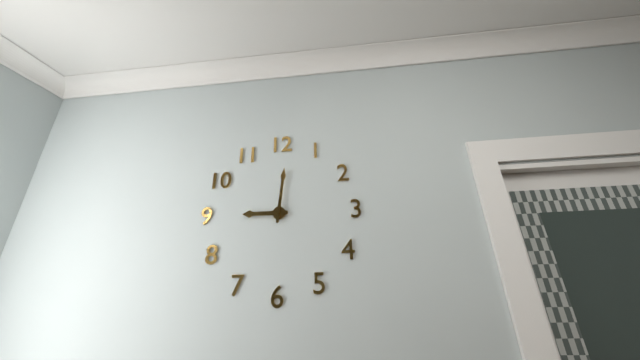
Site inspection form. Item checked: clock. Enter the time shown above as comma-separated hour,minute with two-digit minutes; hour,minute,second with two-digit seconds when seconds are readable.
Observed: 9,01
